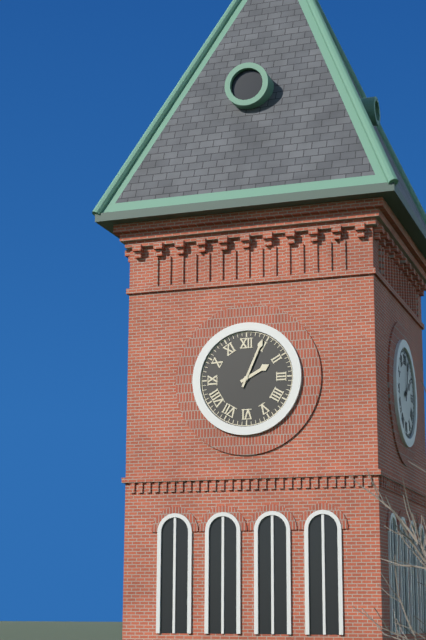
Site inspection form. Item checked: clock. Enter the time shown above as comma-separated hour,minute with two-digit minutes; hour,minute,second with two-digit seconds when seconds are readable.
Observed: 2,04
